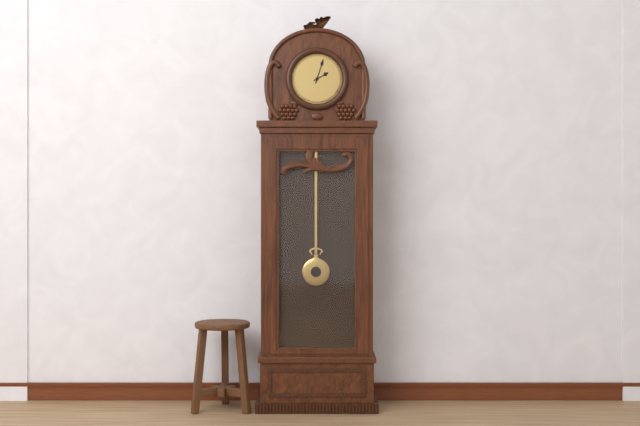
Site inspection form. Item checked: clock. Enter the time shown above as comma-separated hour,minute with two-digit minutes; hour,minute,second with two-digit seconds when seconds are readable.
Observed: 2,03
